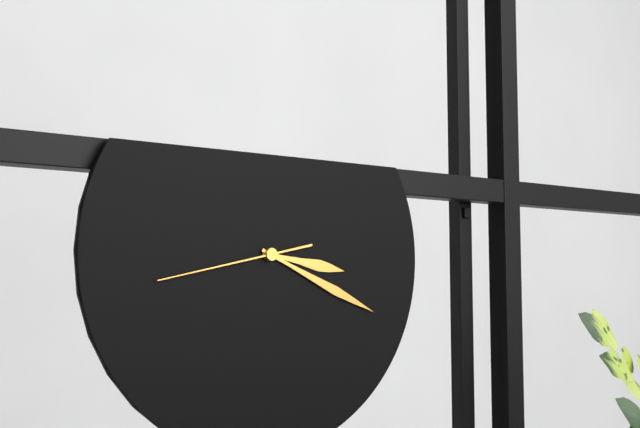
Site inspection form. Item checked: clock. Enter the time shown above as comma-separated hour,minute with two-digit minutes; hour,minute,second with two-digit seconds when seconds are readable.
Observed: 3,19,43
